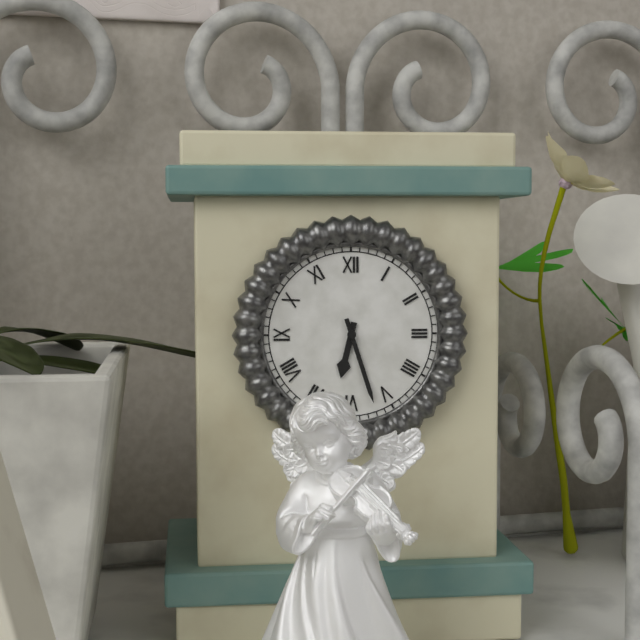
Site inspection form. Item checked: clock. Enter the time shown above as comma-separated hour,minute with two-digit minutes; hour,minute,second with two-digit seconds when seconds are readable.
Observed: 6,27
